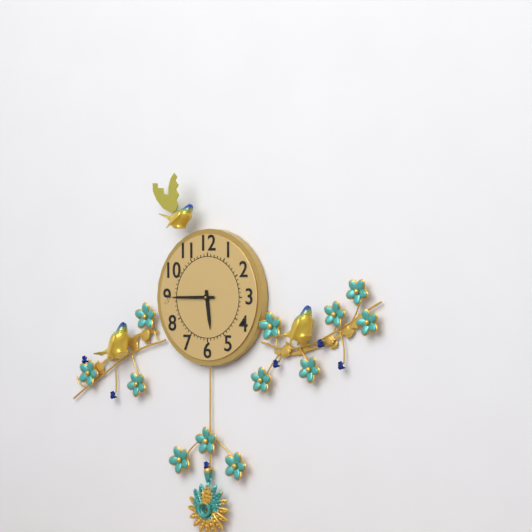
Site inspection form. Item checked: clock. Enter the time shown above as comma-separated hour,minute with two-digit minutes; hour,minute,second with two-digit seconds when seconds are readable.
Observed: 5,45
